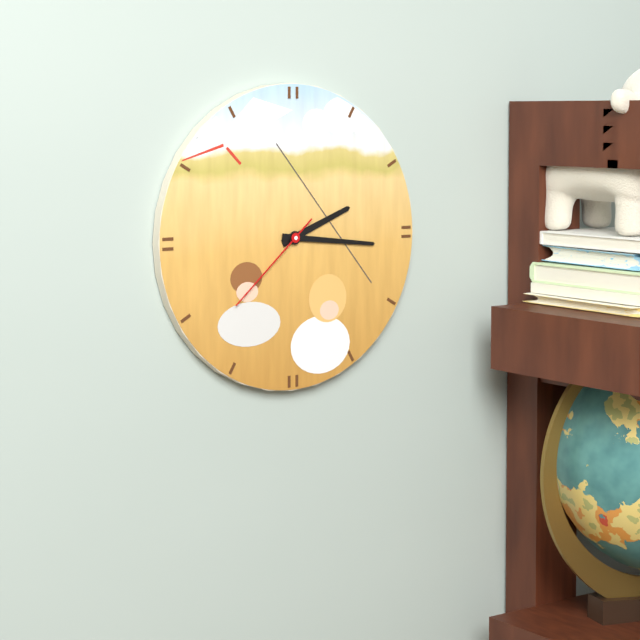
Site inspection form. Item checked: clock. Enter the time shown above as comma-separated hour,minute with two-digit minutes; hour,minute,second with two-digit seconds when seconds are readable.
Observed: 2,16,38
